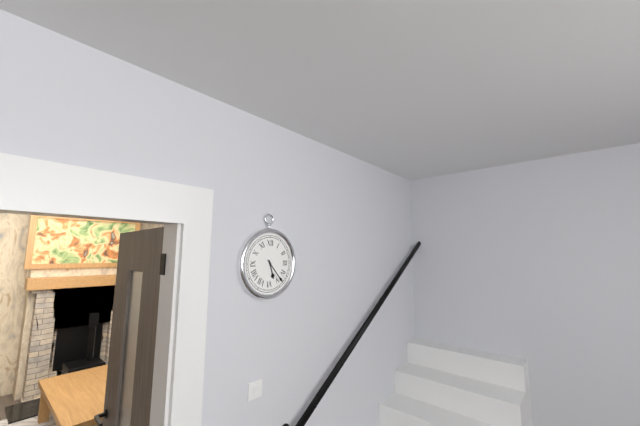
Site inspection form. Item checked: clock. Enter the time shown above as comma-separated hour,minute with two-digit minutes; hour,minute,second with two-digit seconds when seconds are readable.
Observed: 5,23
